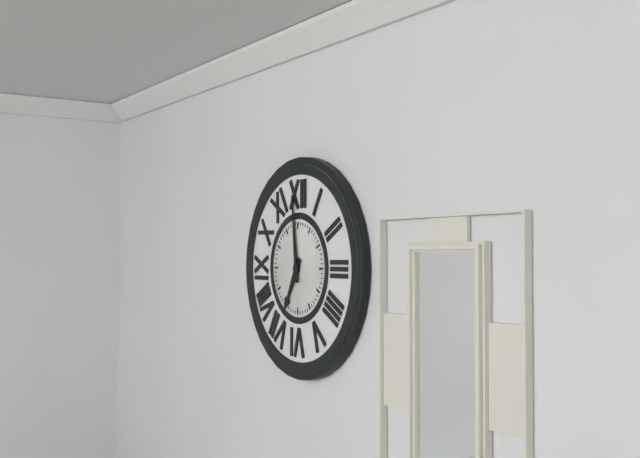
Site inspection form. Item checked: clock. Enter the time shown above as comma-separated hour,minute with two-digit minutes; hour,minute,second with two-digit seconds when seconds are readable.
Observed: 6,59
